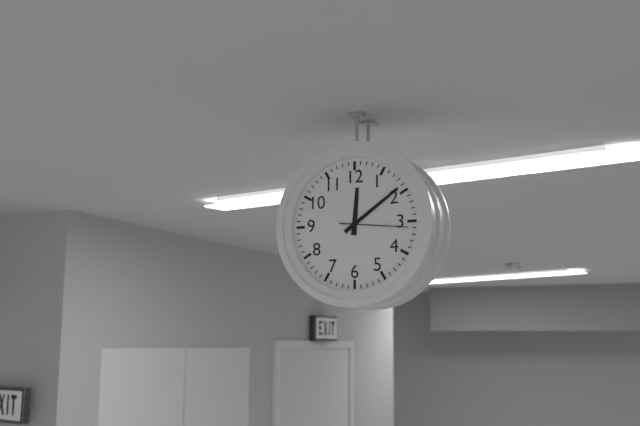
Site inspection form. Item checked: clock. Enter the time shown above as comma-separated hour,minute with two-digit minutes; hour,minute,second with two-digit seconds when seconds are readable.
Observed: 12,09,16
